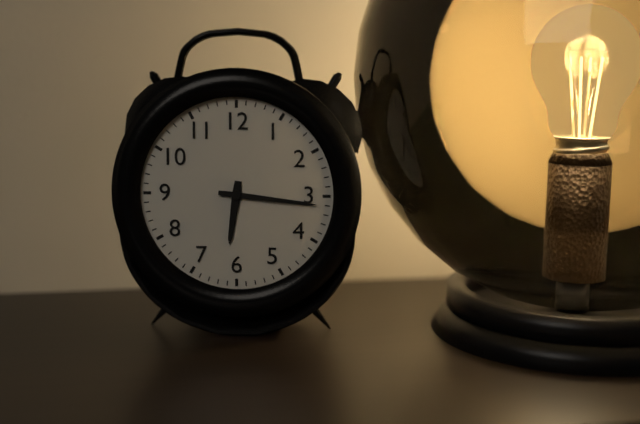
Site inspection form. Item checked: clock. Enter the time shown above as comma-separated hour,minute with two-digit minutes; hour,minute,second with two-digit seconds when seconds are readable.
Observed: 6,16
